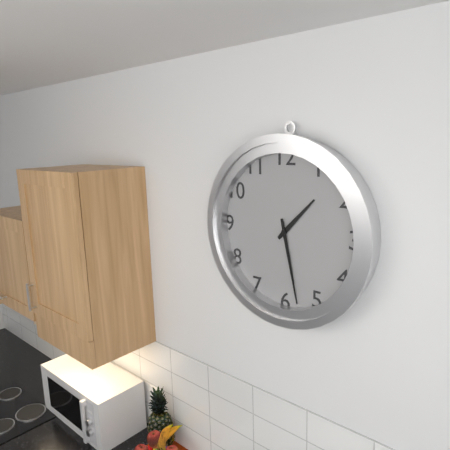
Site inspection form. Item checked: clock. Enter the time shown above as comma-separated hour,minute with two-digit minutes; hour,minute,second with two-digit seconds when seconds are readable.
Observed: 1,28
